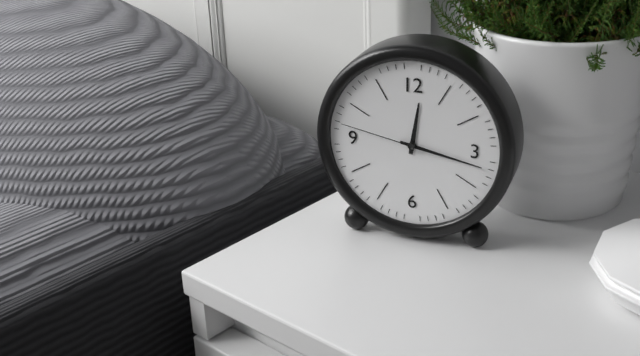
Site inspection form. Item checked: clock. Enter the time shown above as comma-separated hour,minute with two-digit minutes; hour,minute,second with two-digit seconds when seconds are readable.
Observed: 12,17,47
